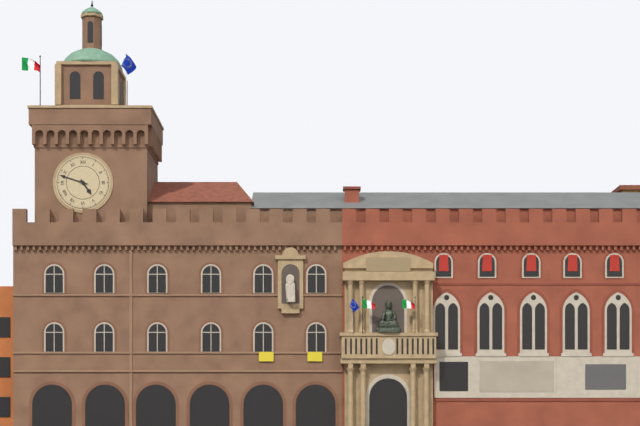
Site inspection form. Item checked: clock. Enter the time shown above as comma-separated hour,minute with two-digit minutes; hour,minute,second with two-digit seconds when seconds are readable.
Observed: 4,48
